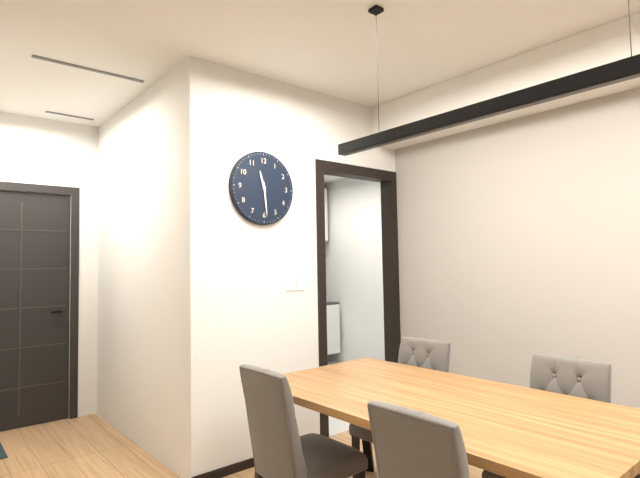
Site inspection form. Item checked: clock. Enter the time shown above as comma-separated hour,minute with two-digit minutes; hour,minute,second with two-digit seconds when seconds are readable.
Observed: 11,29
